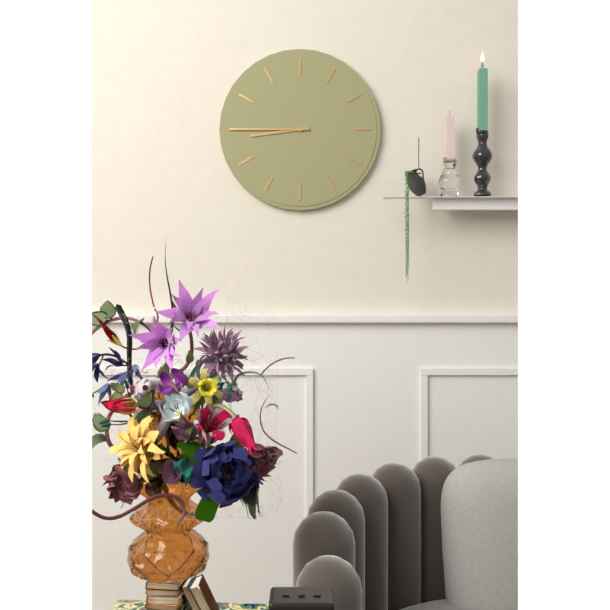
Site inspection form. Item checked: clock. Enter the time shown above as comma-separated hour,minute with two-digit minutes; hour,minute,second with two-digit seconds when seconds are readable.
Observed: 8,45
